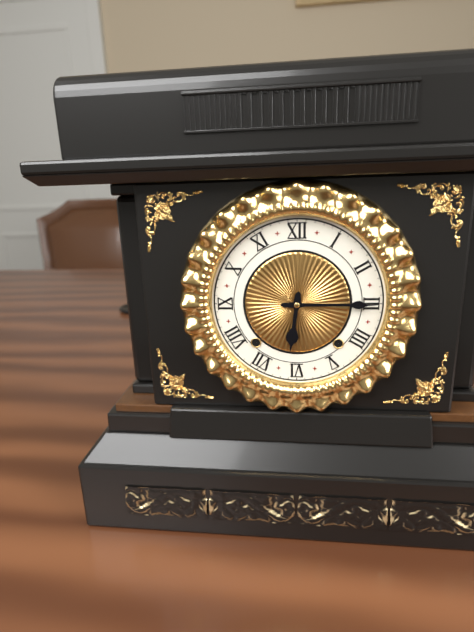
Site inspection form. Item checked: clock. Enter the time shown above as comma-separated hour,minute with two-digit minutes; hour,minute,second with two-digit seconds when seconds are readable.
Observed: 6,15
